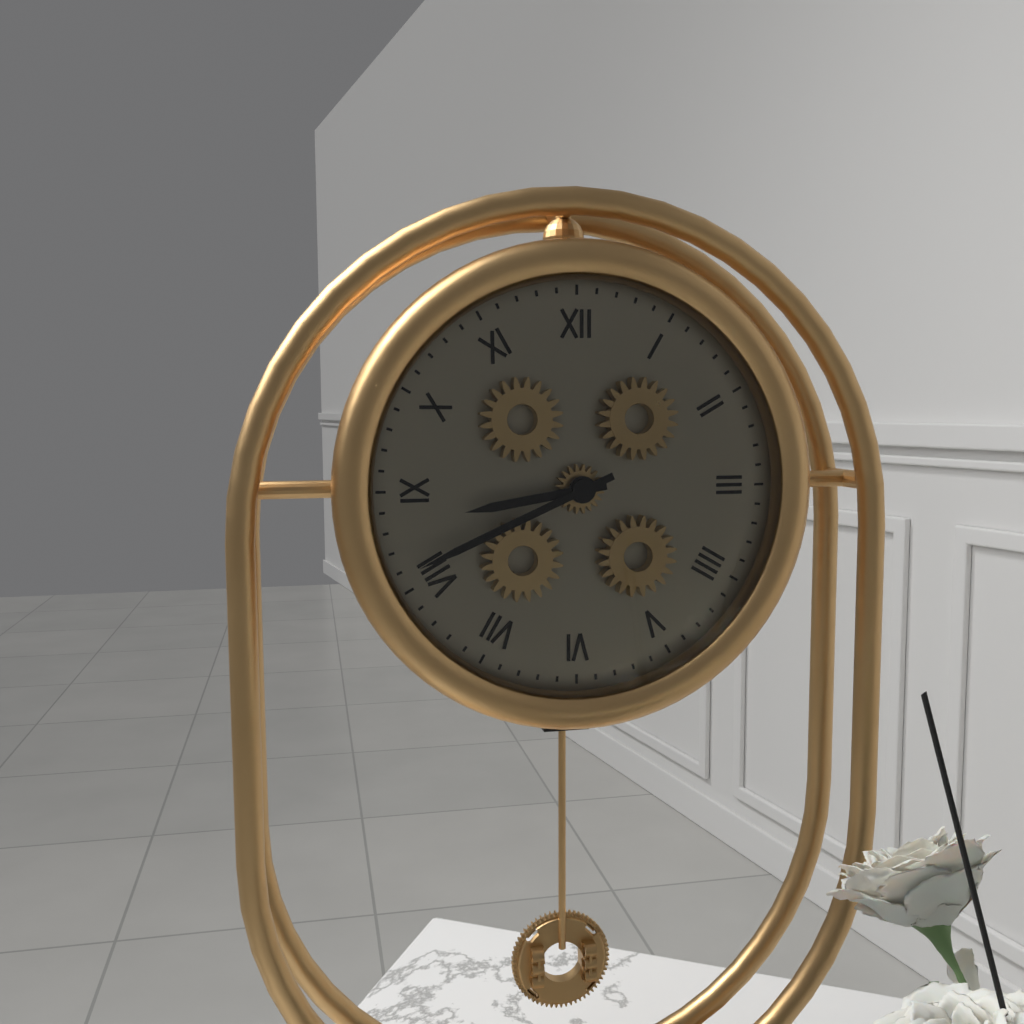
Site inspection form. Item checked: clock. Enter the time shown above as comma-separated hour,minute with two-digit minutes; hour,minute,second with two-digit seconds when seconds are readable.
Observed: 8,41
